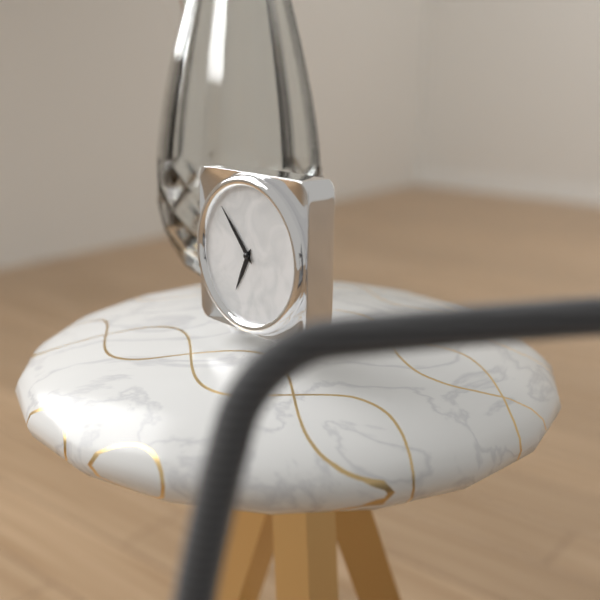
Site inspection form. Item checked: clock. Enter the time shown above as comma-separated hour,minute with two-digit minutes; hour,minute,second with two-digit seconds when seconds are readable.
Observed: 6,53
